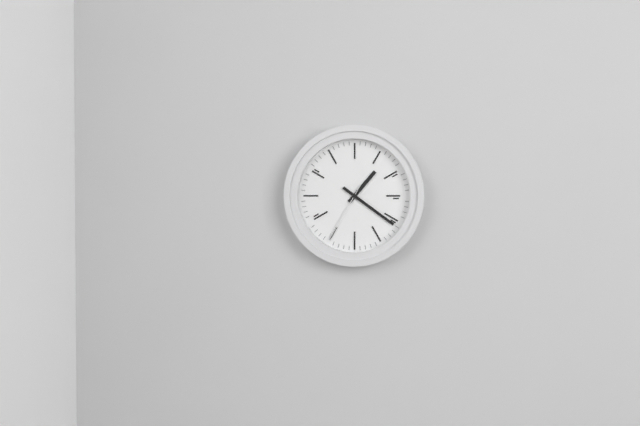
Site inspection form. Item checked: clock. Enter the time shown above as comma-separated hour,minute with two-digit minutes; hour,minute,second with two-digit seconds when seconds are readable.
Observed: 1,21,35
